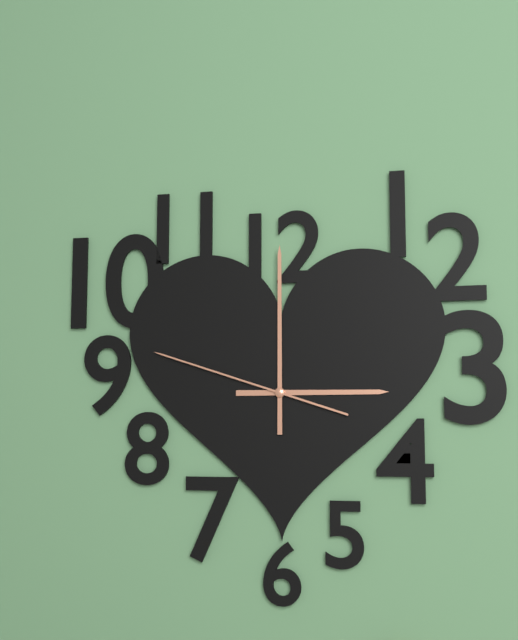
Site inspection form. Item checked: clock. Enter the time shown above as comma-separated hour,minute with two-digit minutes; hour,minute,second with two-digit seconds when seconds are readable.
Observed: 3,00,48
